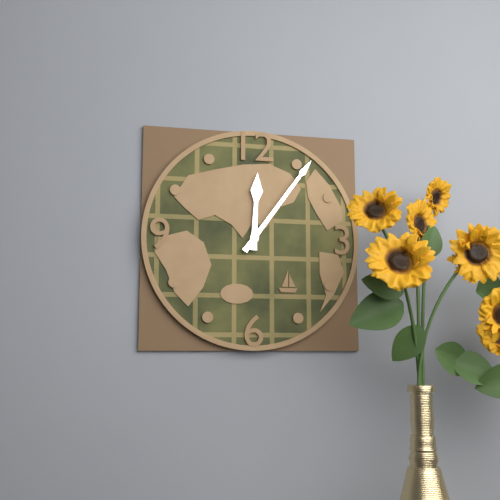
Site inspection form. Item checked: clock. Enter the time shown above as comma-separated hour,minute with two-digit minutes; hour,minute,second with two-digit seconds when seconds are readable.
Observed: 12,06
